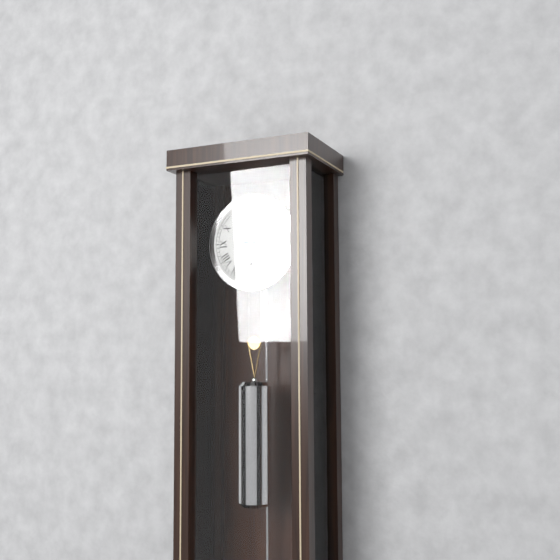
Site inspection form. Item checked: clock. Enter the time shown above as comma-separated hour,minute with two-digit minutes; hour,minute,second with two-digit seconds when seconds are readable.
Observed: 3,15
